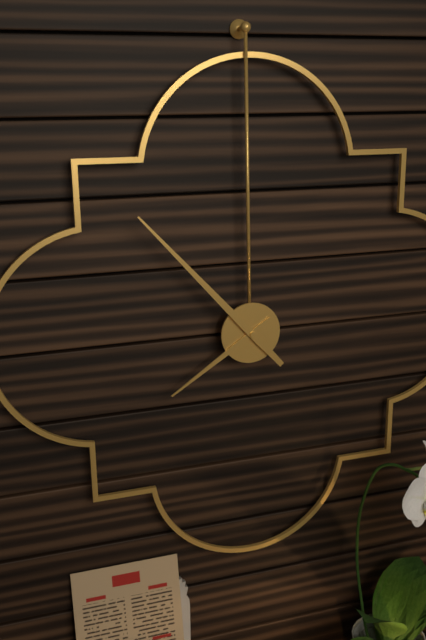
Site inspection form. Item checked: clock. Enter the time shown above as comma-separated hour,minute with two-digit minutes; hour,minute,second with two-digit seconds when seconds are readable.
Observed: 7,53
